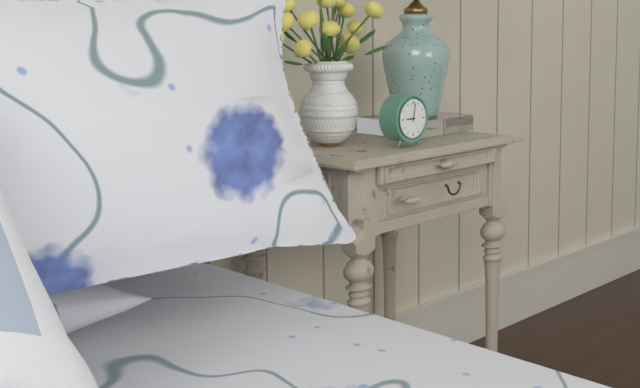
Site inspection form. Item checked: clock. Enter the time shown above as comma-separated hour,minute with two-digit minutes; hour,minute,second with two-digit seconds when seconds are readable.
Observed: 9,02
